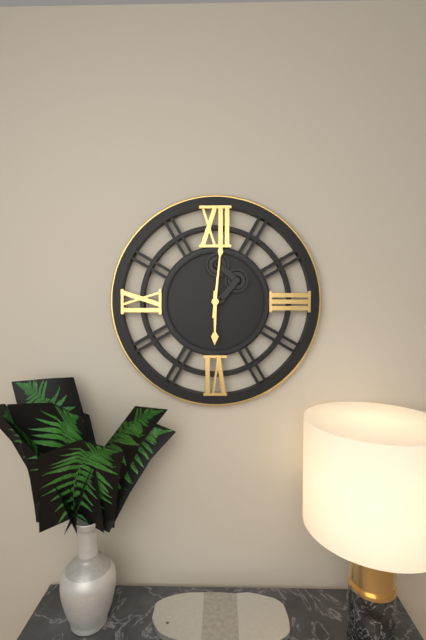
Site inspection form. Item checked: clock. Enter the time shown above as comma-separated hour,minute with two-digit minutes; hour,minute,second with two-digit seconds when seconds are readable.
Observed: 6,01
